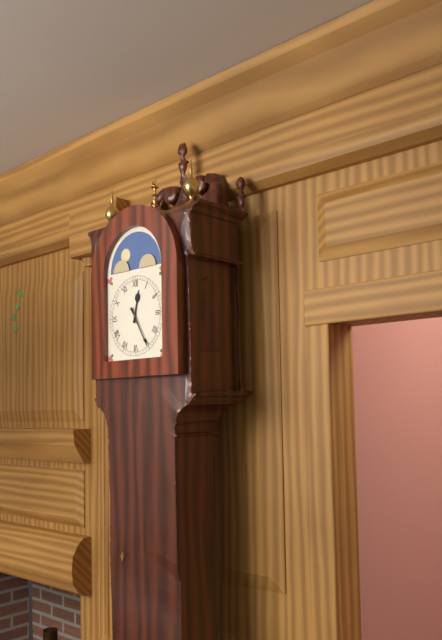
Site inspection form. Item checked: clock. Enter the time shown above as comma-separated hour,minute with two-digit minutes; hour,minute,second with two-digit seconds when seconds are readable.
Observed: 12,25
